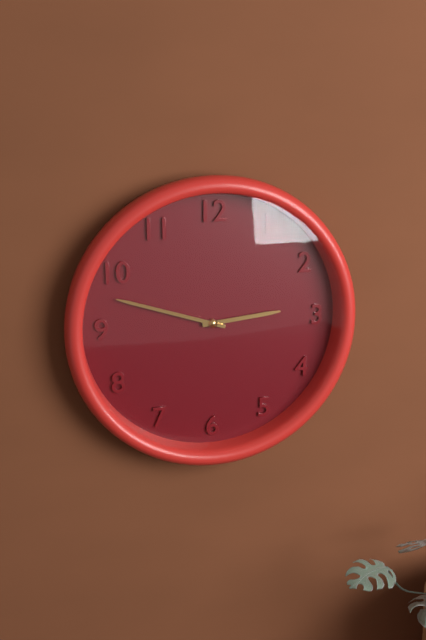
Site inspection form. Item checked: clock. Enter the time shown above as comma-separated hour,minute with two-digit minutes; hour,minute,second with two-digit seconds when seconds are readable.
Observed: 2,48
